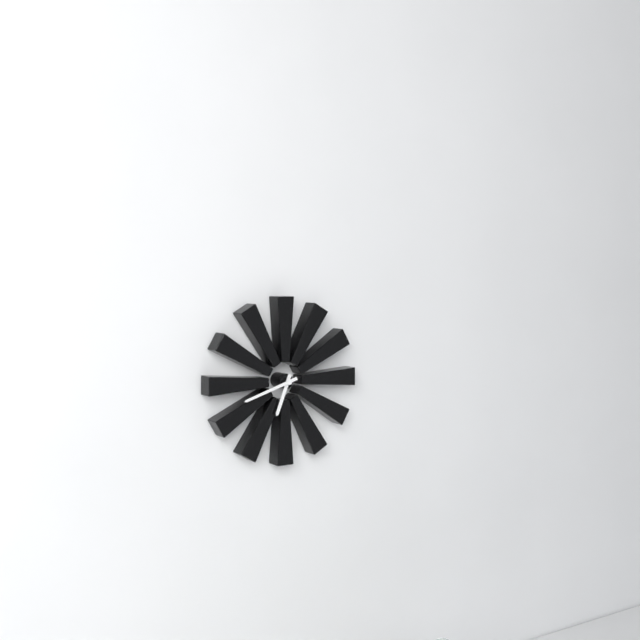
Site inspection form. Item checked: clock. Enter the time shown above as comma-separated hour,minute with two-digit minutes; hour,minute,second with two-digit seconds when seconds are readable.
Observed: 6,42
